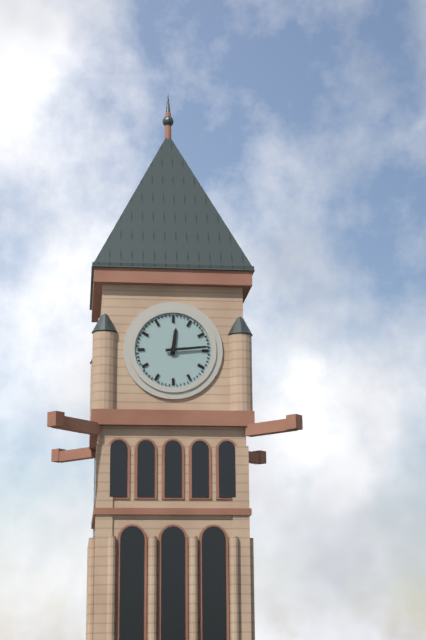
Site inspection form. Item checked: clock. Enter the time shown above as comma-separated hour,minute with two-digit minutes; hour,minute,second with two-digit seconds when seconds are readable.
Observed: 12,14
